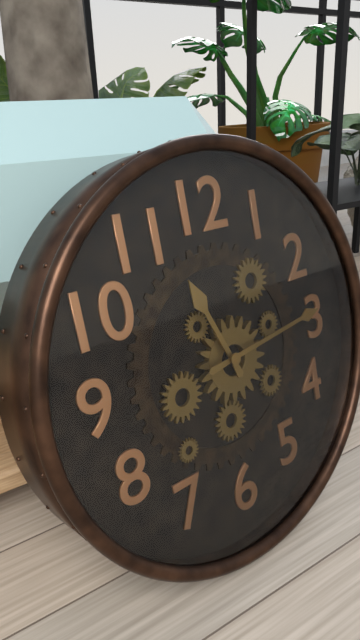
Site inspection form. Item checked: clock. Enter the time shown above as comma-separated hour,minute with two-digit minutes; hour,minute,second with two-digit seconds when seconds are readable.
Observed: 11,14
